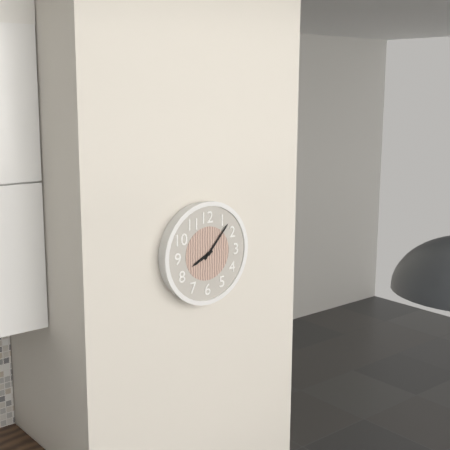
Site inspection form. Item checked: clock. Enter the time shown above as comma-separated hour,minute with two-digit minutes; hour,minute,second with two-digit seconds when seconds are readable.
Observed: 8,07
